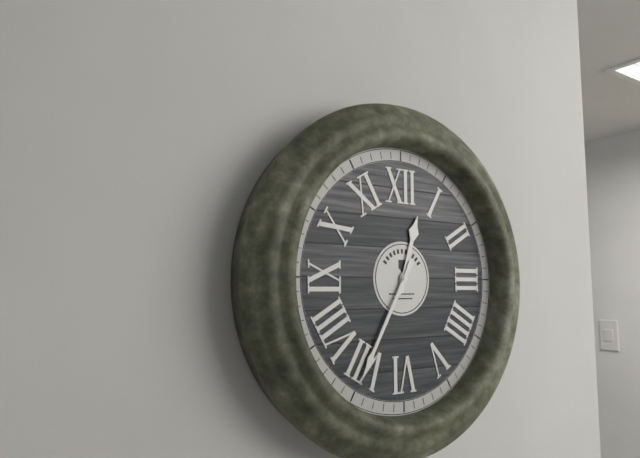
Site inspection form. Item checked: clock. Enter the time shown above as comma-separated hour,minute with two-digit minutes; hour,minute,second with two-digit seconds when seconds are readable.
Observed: 12,35
